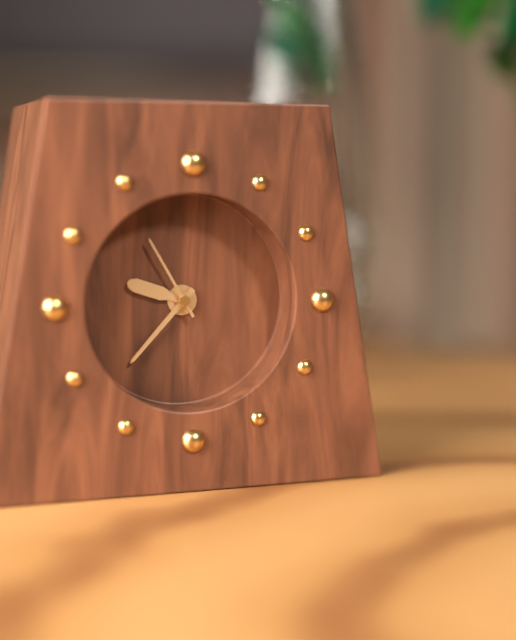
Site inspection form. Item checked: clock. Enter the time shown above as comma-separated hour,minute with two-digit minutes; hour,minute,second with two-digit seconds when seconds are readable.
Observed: 9,37,55
